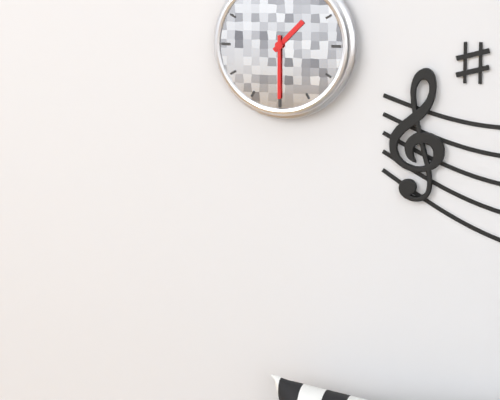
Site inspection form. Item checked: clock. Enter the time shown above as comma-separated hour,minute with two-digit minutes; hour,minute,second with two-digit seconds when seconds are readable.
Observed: 1,30
